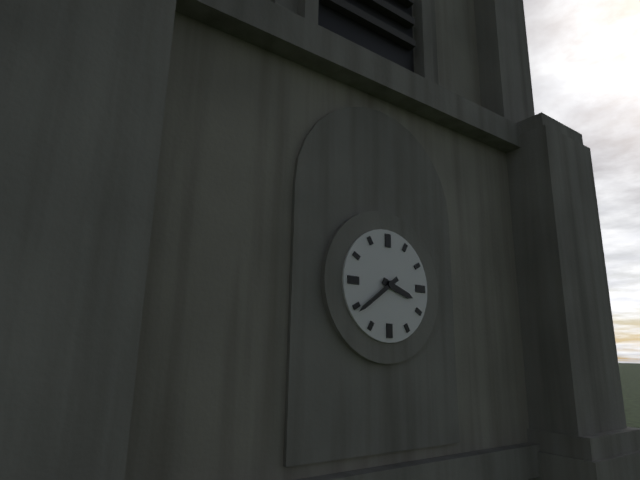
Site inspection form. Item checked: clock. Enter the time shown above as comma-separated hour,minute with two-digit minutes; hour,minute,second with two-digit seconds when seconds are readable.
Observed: 3,39
